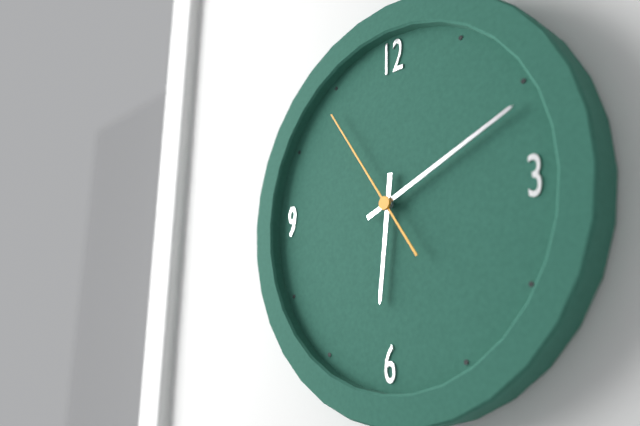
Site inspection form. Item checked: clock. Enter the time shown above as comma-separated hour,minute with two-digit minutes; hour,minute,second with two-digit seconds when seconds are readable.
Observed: 6,11,54
